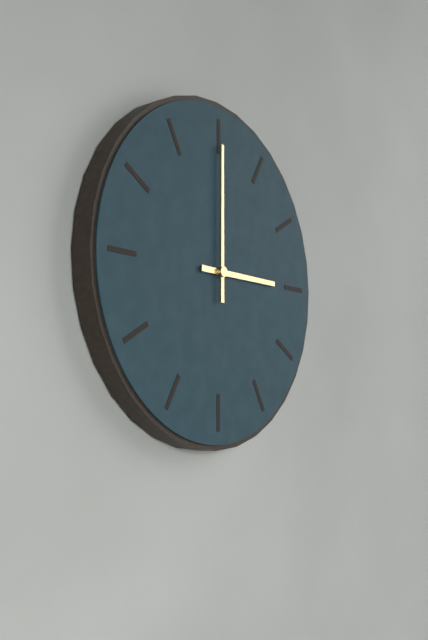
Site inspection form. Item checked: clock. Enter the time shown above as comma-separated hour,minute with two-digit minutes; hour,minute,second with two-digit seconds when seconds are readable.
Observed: 3,00
